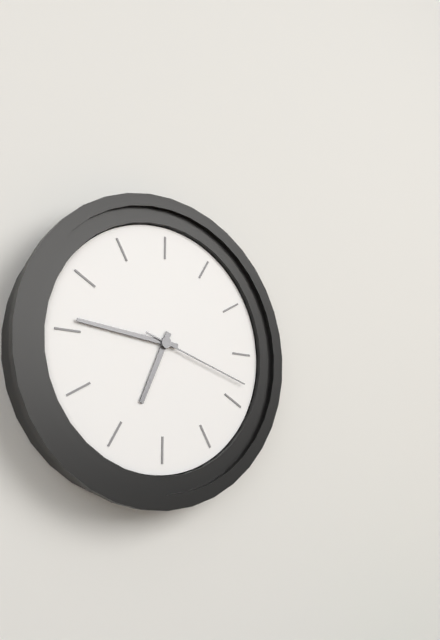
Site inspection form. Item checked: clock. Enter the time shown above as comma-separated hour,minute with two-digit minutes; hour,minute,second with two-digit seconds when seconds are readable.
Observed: 6,46,18
